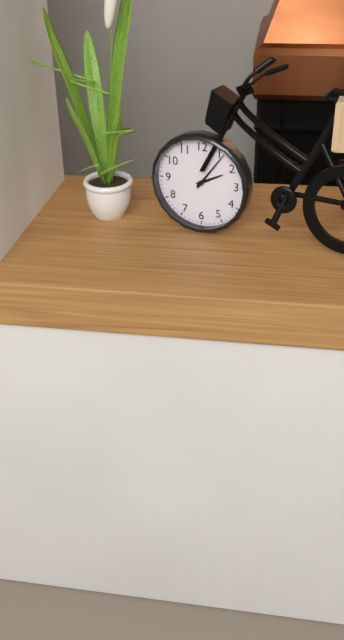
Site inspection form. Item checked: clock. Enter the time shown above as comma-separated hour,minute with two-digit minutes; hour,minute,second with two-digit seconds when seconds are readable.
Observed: 2,06
